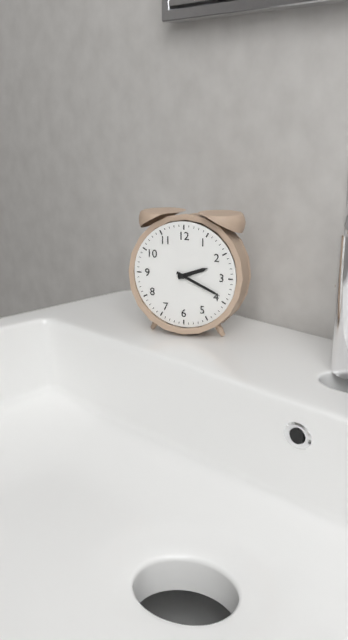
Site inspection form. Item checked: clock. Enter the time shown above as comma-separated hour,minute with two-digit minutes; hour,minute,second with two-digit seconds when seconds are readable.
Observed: 2,19
